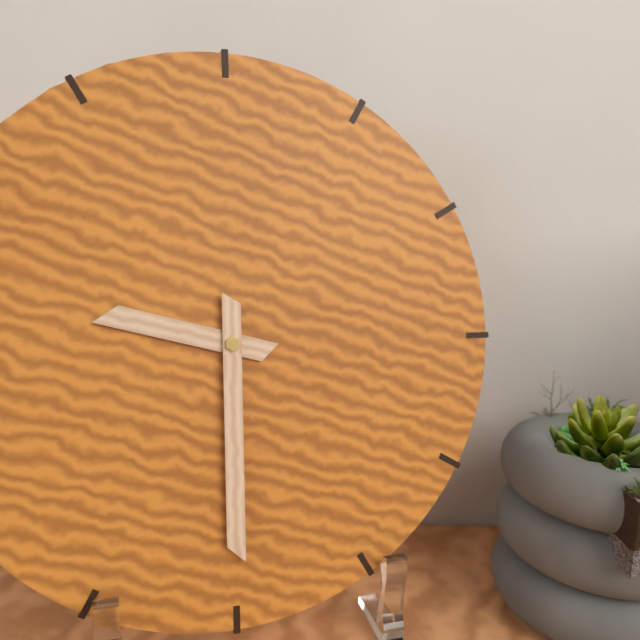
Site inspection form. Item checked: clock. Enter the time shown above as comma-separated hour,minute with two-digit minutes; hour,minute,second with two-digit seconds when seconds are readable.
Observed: 9,30
